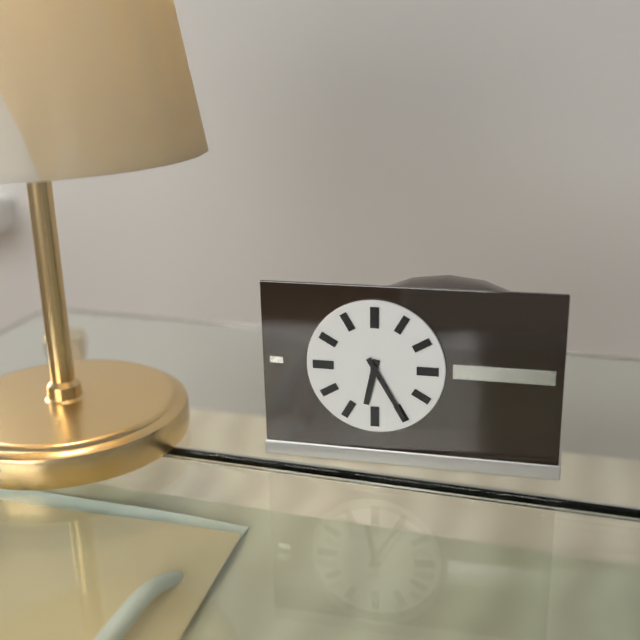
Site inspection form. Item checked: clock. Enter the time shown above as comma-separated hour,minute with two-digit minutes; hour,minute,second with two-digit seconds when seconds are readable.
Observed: 6,25
